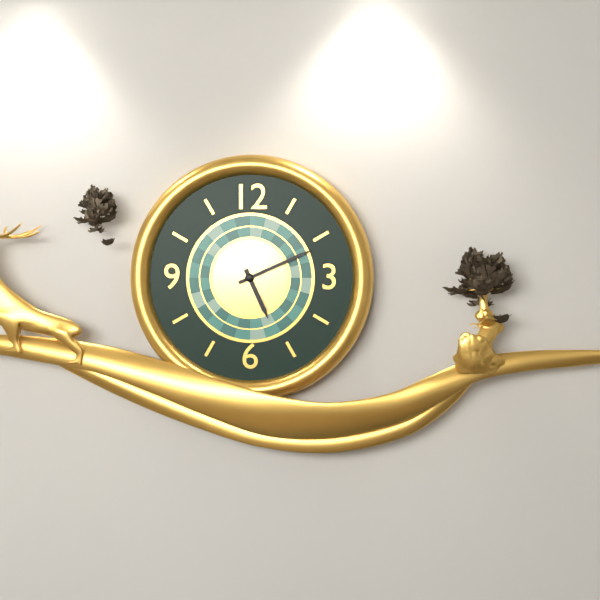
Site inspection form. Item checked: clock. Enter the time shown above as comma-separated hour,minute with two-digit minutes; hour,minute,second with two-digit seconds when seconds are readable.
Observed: 5,11
